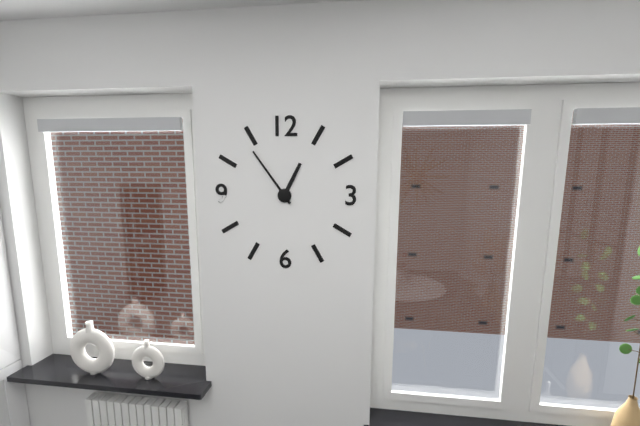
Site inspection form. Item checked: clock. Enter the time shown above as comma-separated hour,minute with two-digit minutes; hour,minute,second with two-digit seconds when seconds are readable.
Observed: 12,54
